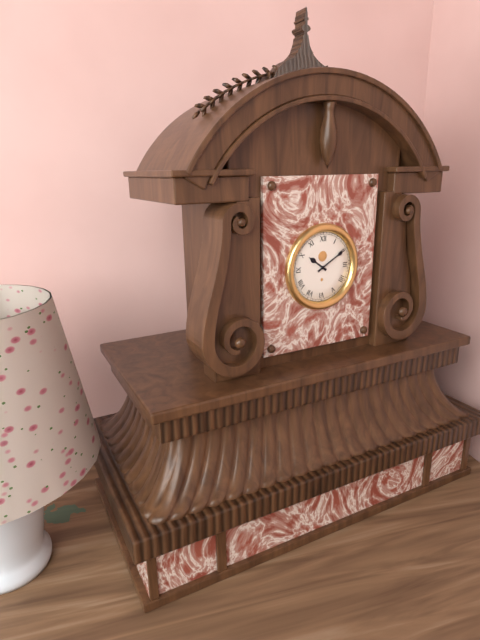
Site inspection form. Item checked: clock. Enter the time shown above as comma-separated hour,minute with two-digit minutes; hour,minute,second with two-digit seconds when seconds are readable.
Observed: 10,10
